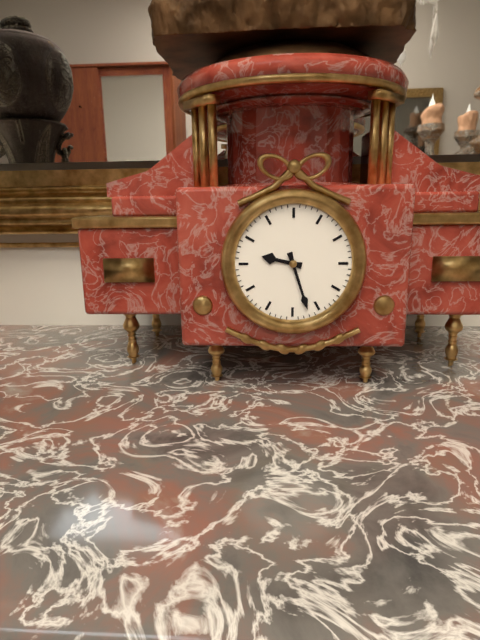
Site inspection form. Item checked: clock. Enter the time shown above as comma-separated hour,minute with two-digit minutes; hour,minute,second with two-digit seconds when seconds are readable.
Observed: 9,27
